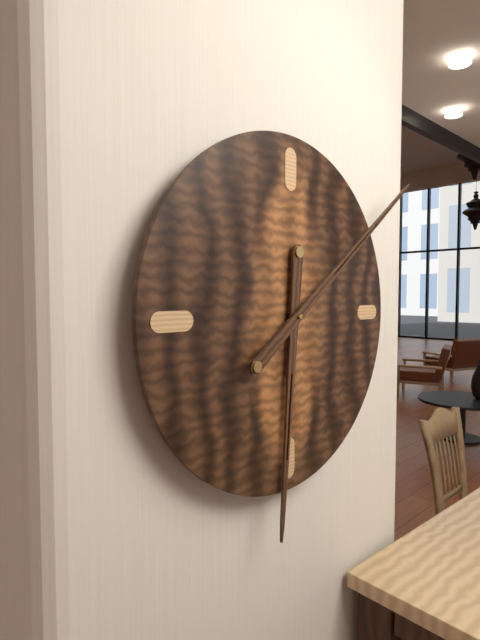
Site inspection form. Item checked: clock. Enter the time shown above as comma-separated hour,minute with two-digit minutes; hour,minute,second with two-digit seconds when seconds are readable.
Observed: 6,09
